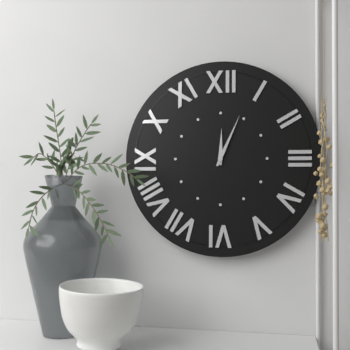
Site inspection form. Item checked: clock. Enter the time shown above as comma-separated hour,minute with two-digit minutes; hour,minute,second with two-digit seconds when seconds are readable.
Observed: 12,04
